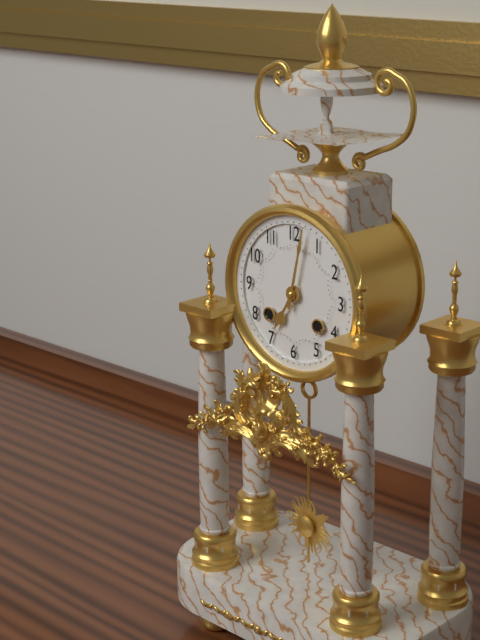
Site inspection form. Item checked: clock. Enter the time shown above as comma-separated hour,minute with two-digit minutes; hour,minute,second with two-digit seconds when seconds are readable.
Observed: 7,02
